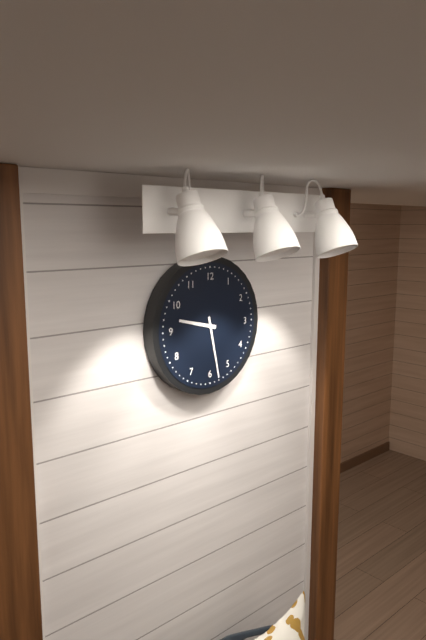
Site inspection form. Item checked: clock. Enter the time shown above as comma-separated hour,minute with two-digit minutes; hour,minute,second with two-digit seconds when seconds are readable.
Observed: 9,28
